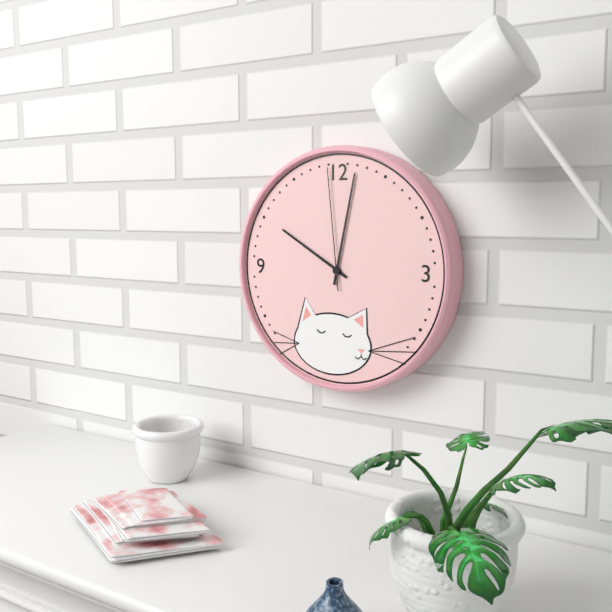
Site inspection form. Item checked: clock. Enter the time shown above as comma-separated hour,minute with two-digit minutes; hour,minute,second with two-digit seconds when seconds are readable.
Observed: 10,02,59
